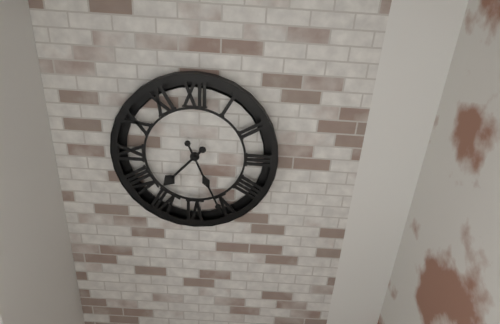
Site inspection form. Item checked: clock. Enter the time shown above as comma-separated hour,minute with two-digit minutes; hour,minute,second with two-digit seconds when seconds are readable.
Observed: 7,26
